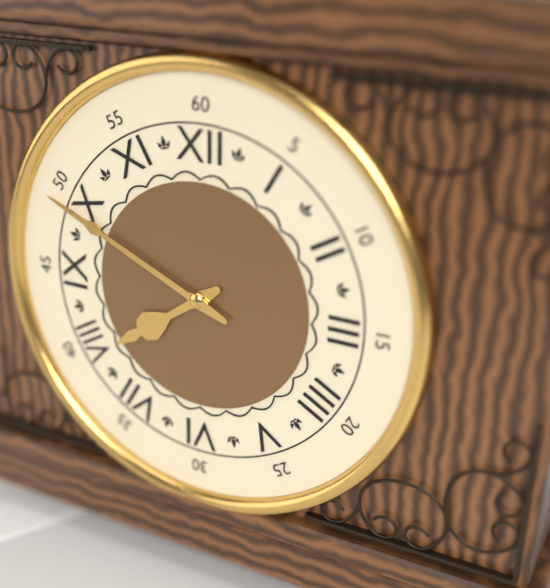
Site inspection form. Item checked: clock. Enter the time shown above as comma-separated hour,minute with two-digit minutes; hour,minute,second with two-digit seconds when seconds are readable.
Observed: 7,49
